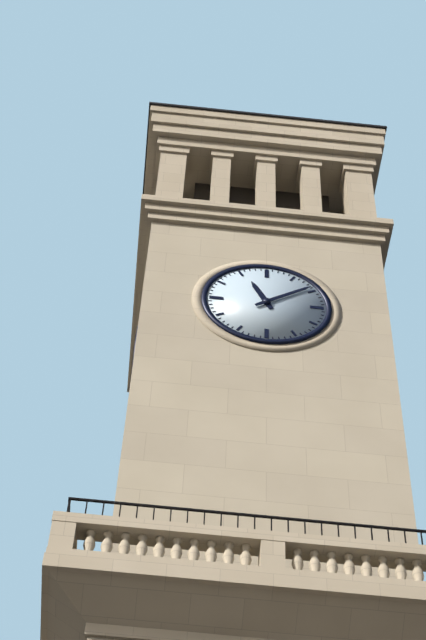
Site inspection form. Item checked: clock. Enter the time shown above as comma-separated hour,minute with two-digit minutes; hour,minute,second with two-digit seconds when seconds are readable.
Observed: 11,09
